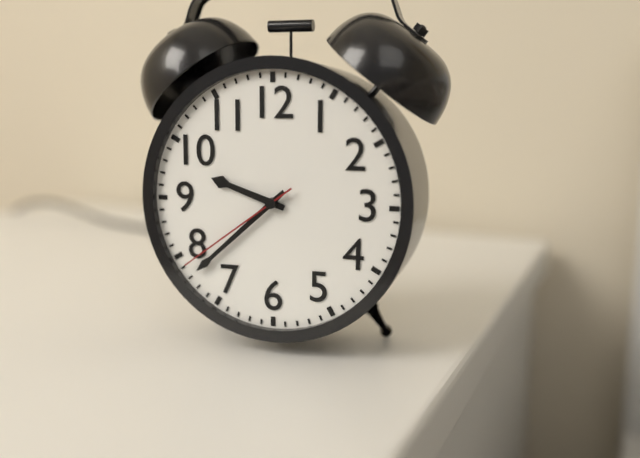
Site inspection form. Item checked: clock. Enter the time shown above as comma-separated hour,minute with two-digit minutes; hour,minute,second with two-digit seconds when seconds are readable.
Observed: 9,38,39
